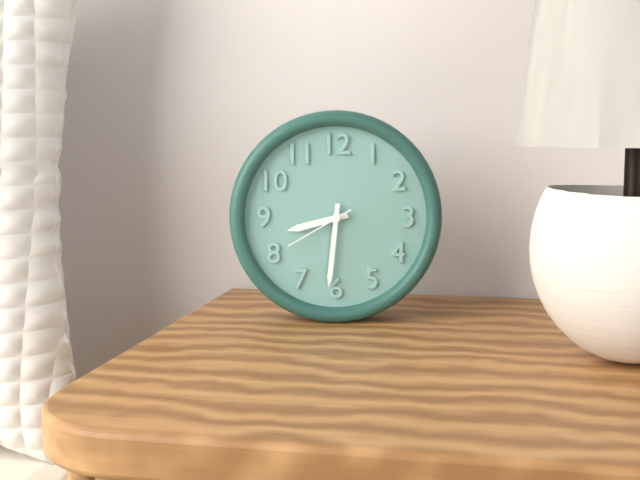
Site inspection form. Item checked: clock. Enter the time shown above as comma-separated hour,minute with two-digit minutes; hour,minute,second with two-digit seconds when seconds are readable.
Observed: 8,31,40
